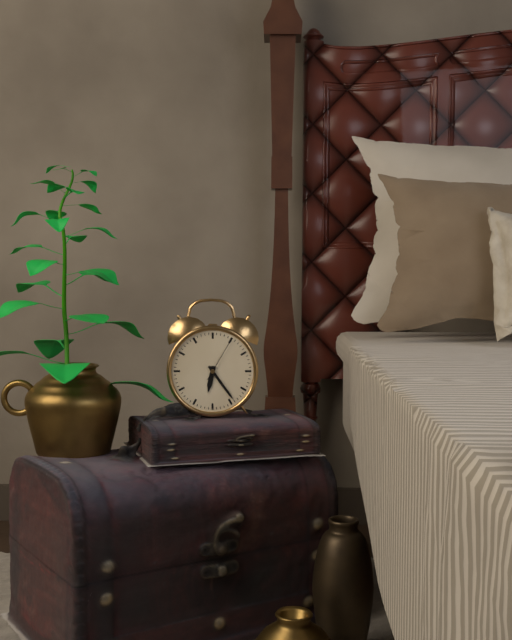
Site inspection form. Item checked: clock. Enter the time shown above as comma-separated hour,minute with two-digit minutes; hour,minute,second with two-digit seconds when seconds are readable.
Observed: 6,24
